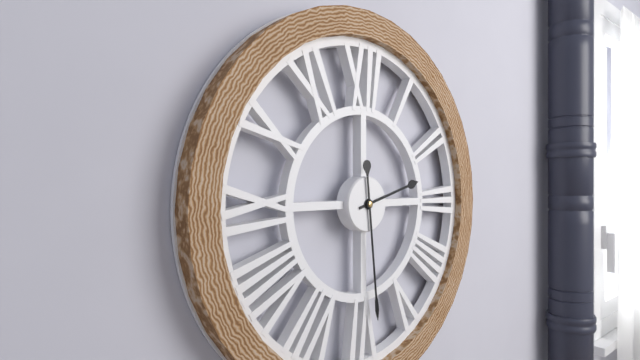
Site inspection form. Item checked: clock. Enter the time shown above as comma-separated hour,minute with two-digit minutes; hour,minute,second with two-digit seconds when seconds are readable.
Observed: 2,29
